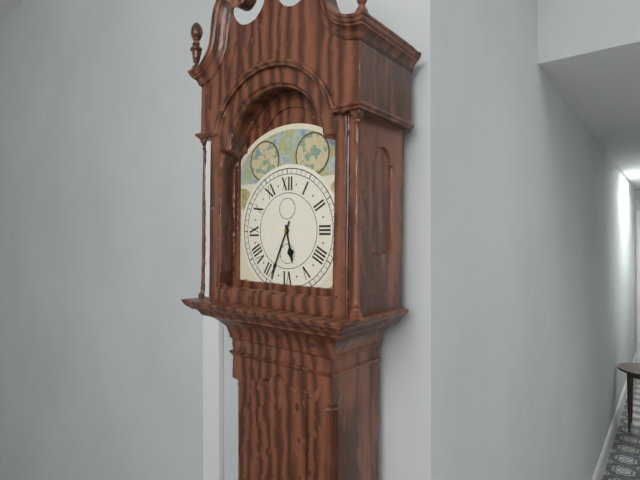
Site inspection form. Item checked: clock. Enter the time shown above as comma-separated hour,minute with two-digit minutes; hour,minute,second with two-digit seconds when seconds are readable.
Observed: 5,34
